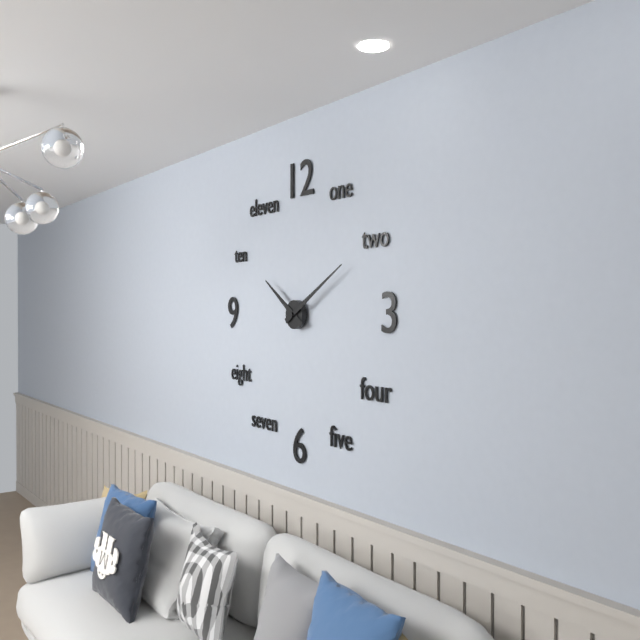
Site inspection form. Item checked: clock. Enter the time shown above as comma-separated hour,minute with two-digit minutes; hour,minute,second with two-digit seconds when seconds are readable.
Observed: 10,10
